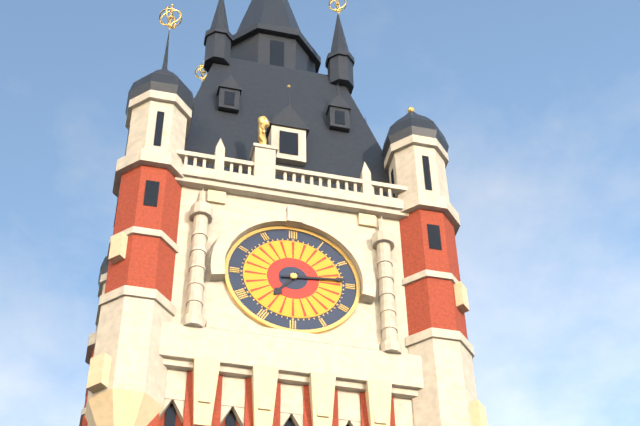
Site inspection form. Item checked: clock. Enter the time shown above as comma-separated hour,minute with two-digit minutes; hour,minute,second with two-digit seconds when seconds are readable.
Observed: 7,14
